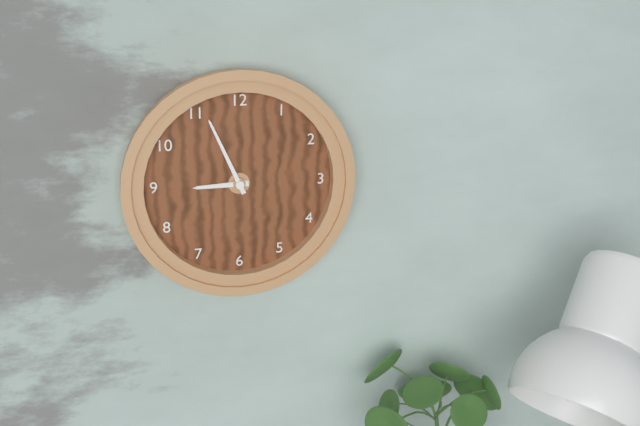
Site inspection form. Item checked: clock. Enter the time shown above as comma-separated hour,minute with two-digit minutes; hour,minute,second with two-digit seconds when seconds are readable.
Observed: 8,56
